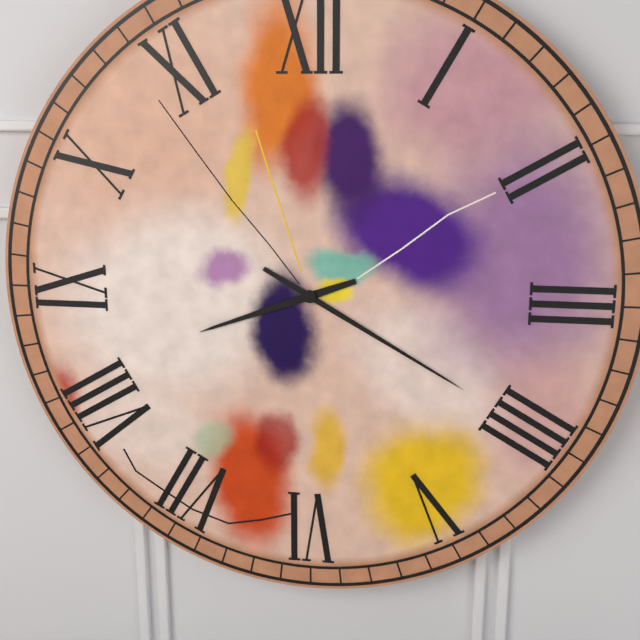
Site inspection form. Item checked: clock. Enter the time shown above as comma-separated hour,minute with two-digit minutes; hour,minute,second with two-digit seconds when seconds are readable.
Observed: 8,20
